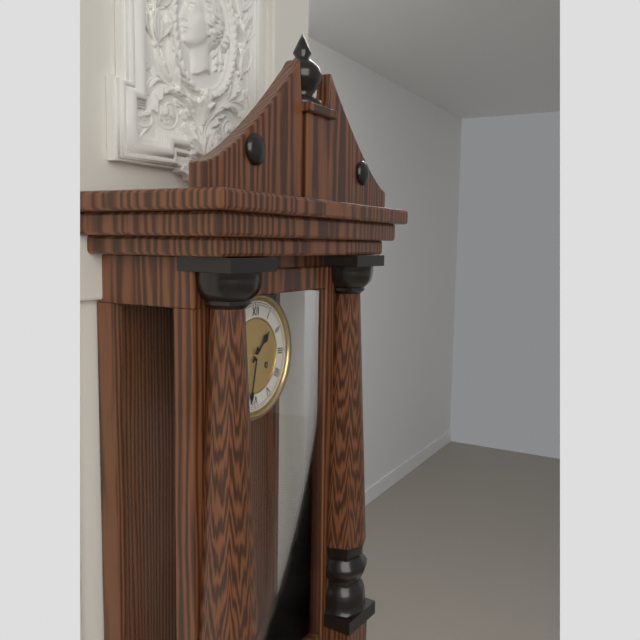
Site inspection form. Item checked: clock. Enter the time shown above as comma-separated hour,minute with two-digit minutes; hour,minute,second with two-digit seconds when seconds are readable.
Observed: 1,32
